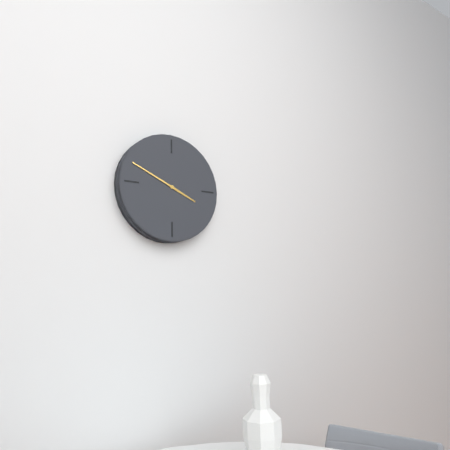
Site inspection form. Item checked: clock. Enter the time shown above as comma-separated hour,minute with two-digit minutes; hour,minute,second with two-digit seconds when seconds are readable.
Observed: 3,49
